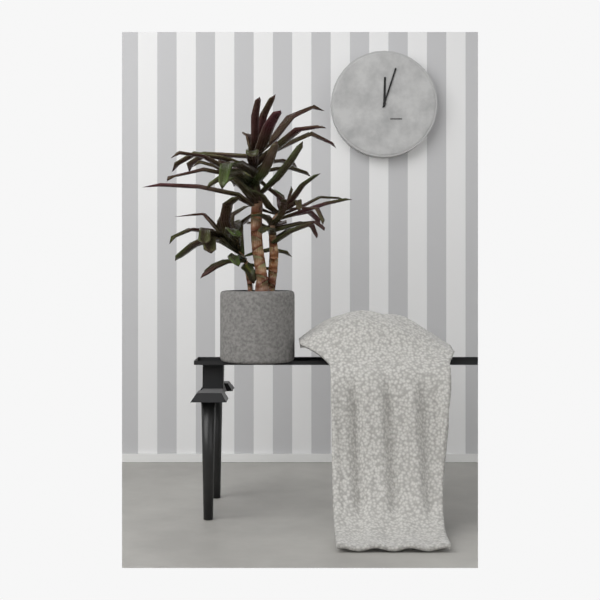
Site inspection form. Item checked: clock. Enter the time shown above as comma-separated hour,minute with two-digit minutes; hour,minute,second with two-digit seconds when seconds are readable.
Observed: 12,03
